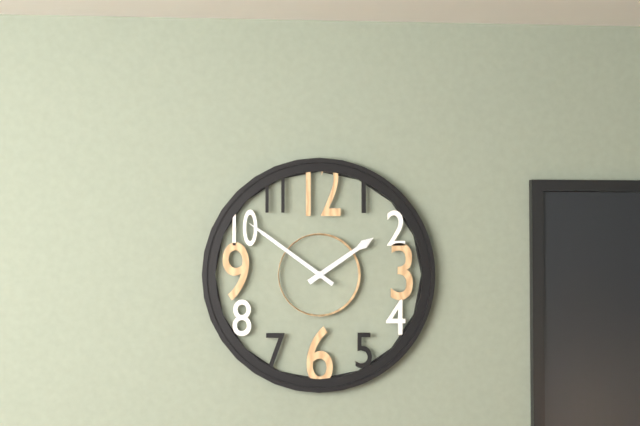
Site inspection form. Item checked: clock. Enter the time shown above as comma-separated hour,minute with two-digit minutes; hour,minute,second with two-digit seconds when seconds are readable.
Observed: 1,51
